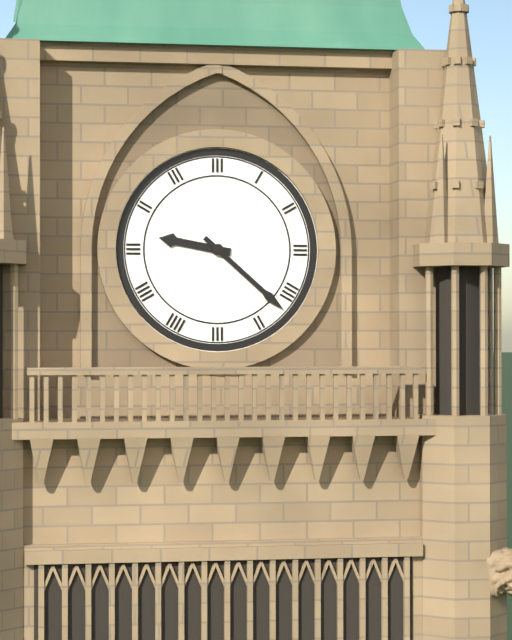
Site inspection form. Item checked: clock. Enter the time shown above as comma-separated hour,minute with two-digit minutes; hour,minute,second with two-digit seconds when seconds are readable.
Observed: 9,22
